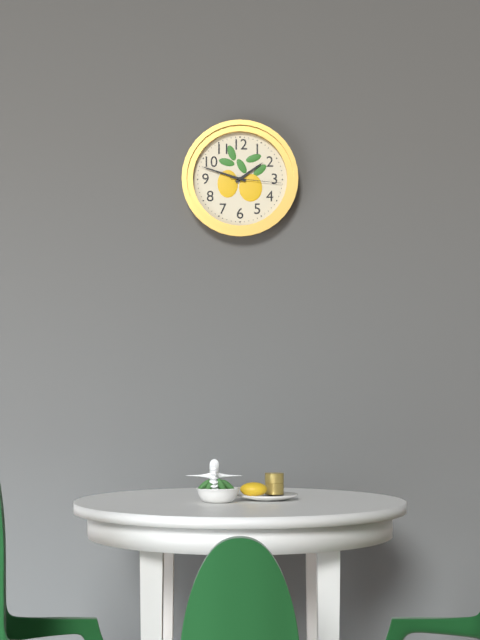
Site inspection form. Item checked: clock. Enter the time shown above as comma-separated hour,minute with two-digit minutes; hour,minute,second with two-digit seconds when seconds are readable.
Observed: 1,48,16
